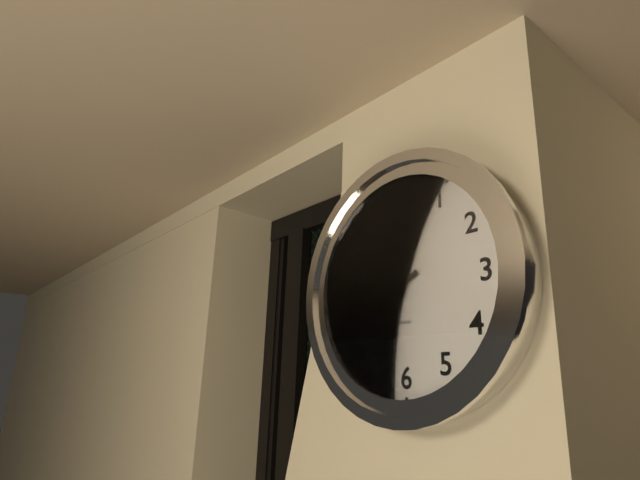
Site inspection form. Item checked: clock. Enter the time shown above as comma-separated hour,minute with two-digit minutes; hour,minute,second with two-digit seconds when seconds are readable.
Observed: 12,40
